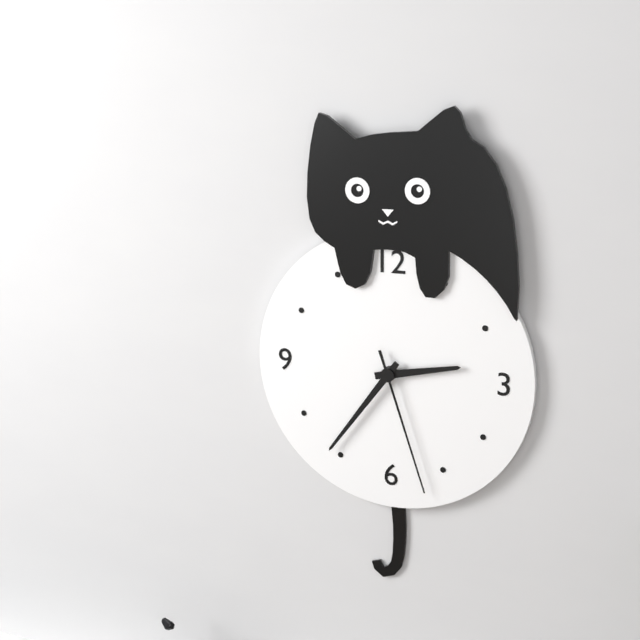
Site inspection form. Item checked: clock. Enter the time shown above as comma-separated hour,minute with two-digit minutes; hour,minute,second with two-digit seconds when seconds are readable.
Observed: 2,36,27
